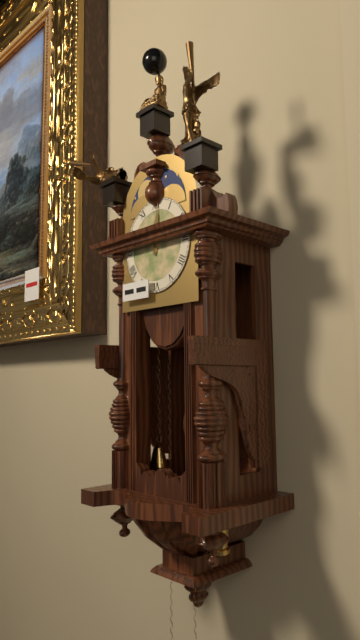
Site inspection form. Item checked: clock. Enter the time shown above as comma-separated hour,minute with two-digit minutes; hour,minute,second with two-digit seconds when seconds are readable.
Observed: 12,01
